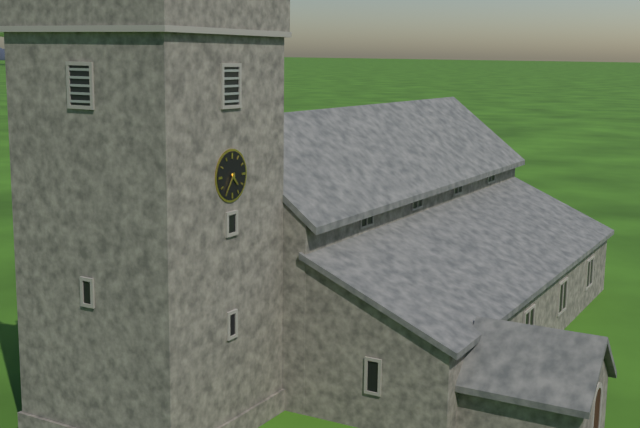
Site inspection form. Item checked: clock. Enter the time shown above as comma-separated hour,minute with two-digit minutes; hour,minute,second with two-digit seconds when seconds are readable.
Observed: 4,36
